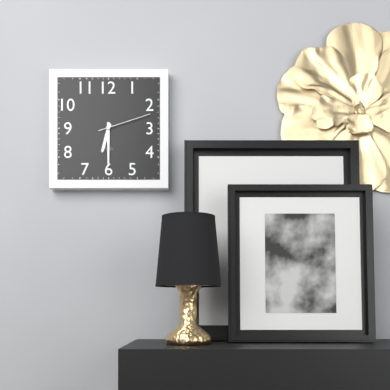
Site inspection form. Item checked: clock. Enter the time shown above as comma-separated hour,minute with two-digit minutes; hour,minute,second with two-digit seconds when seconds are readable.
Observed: 6,30,12
